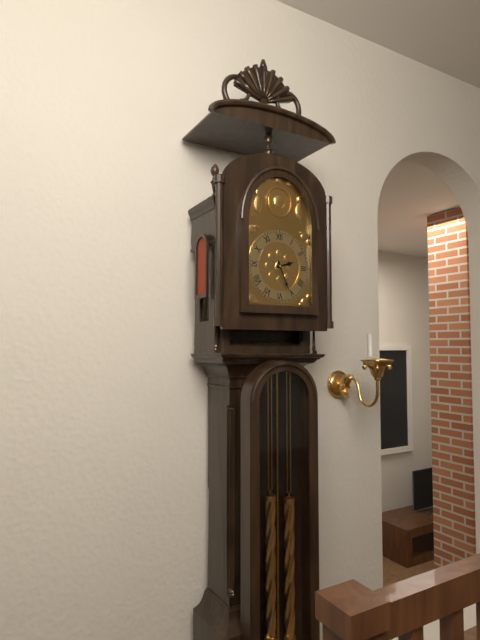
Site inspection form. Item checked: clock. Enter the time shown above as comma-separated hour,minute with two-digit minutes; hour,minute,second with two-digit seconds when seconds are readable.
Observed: 2,26
